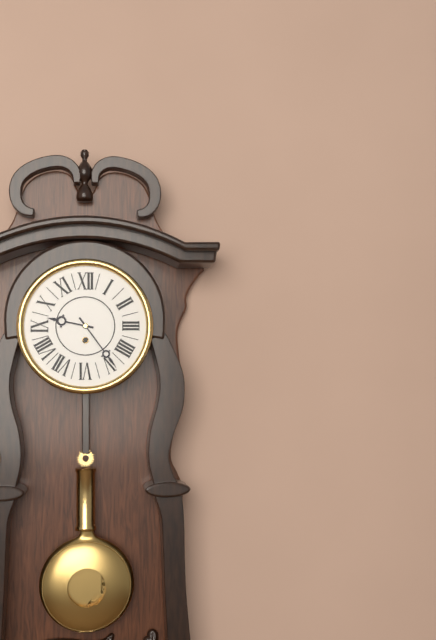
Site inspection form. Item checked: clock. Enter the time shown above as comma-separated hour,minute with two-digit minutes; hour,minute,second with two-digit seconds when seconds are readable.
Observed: 9,24
